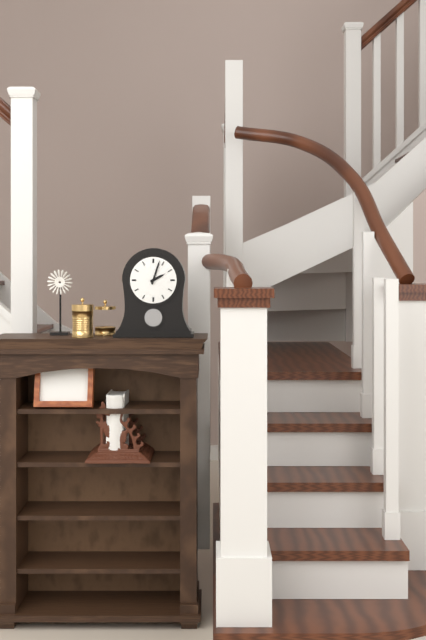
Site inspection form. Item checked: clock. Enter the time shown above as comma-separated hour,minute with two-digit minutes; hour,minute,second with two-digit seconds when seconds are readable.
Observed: 2,03
